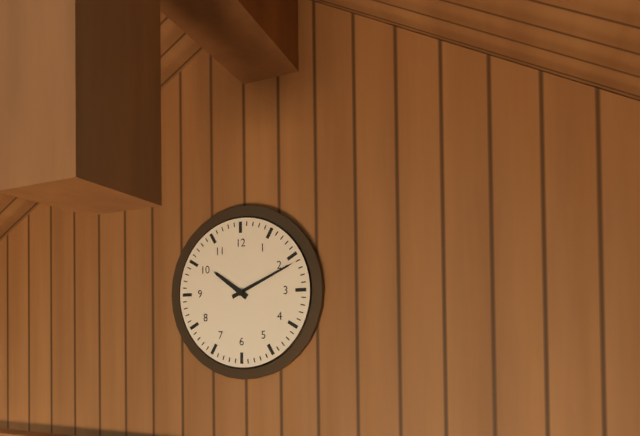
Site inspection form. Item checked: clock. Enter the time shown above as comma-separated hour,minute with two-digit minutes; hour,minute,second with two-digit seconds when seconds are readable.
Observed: 10,11
